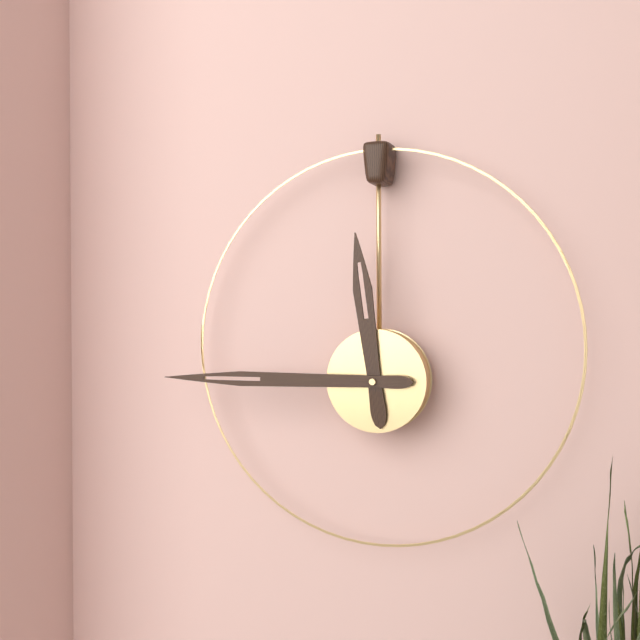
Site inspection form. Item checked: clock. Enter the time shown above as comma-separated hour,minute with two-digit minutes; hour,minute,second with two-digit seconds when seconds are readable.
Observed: 11,45
